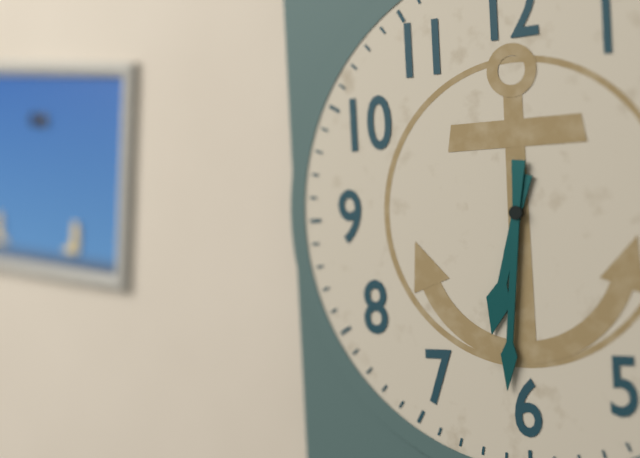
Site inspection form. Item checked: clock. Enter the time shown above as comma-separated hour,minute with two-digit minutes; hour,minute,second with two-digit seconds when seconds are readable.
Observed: 6,31
